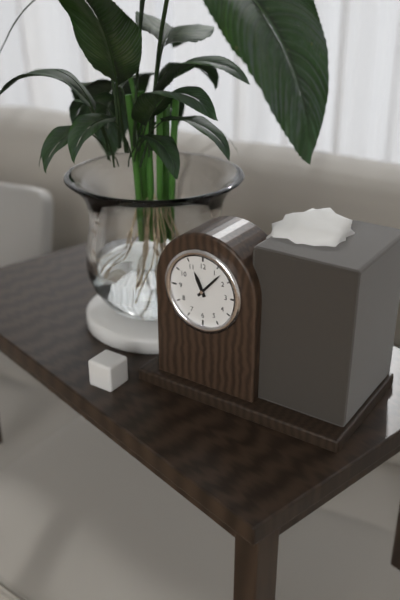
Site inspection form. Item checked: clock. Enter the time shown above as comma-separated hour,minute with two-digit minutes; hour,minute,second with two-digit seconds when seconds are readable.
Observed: 11,07
